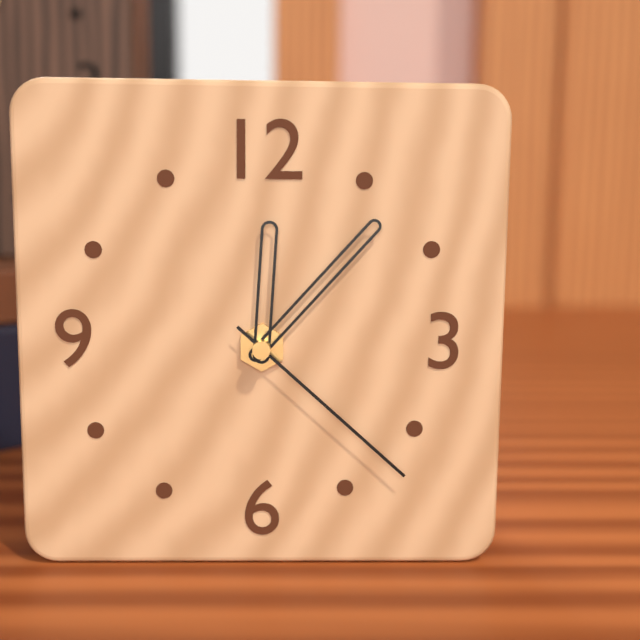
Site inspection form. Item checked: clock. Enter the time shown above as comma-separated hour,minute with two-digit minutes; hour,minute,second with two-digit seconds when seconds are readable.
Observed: 12,07,22
